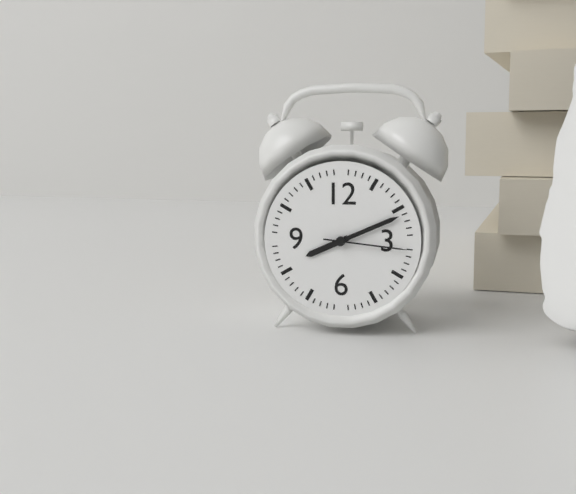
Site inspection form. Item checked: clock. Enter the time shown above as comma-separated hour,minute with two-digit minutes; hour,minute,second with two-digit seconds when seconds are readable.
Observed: 8,11,16
